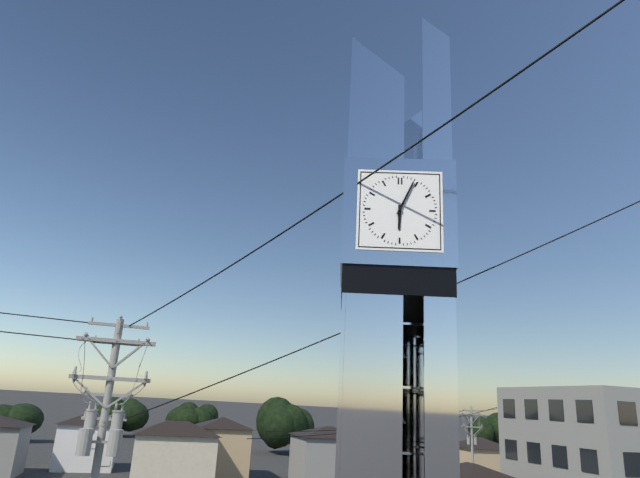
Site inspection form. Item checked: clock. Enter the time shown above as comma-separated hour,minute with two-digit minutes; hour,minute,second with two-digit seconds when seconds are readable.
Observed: 6,04
